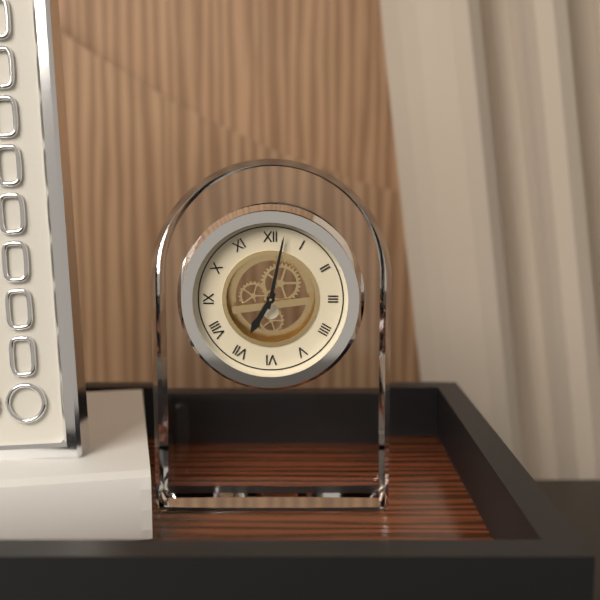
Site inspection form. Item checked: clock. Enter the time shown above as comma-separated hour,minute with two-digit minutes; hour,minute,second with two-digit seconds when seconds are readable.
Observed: 7,02
